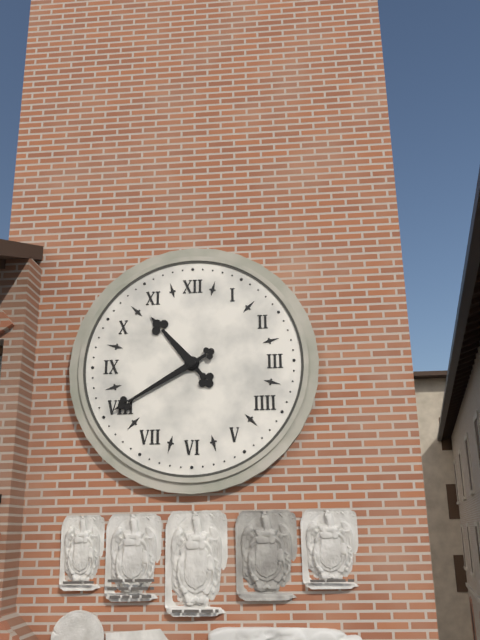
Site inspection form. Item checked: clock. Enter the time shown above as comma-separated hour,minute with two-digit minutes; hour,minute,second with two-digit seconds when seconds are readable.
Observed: 10,40
